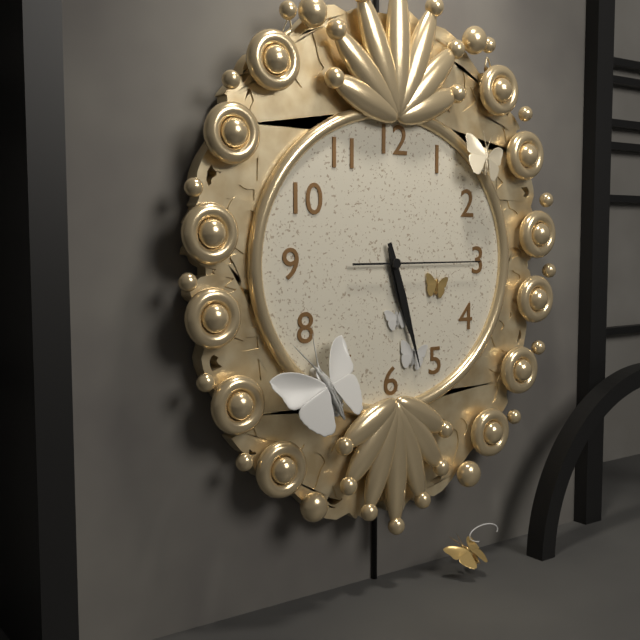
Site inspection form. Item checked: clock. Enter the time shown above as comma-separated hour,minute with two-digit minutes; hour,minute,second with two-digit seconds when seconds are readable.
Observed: 5,27,15
